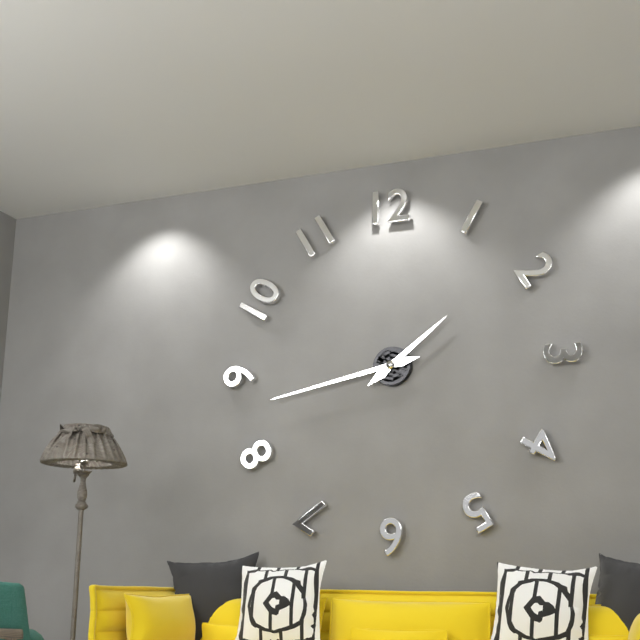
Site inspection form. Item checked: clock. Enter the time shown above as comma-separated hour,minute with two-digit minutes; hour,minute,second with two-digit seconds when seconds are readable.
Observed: 1,43
